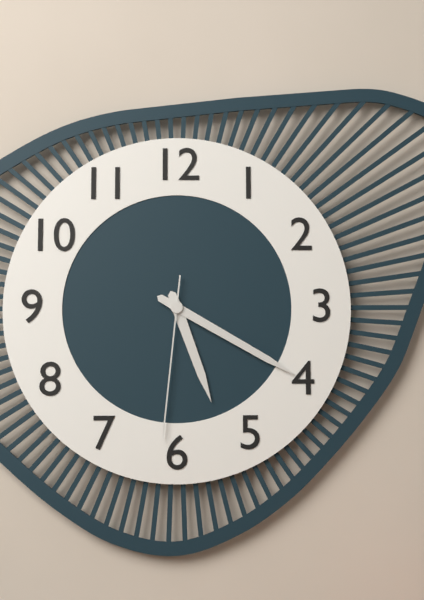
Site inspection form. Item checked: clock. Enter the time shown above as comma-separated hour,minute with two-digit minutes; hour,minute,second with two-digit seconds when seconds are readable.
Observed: 5,20,31
